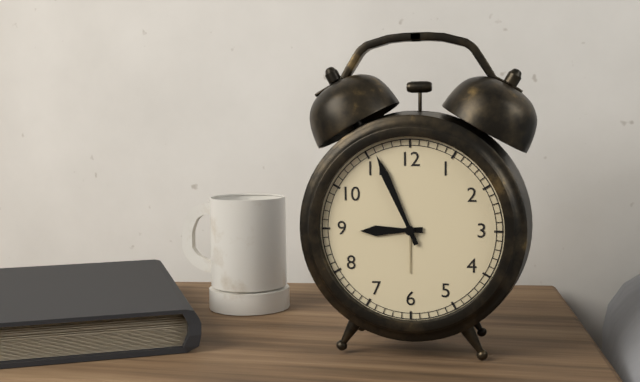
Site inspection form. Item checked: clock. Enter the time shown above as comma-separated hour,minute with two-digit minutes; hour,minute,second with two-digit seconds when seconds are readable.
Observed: 8,56
